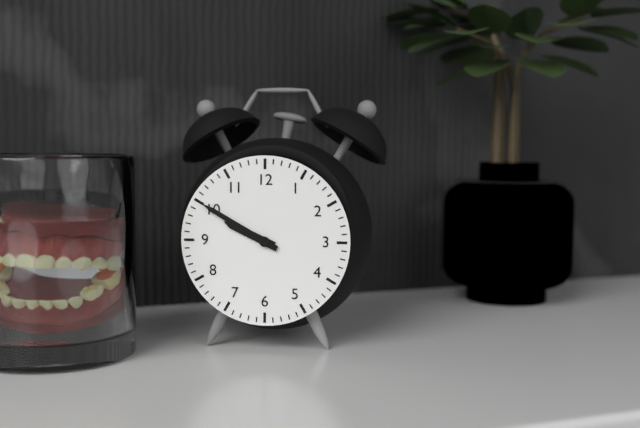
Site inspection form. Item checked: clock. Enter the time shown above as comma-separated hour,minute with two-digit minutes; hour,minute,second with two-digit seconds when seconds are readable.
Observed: 9,50
